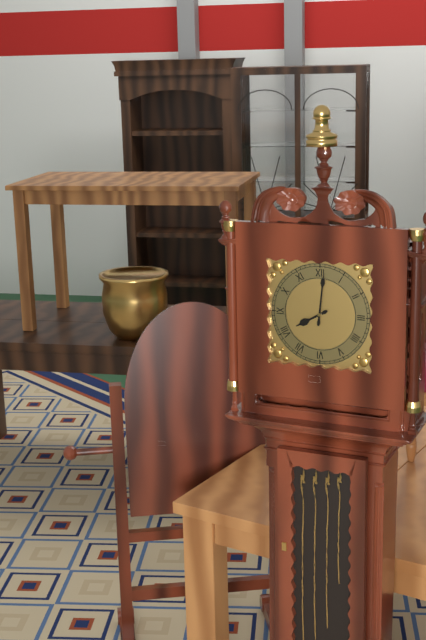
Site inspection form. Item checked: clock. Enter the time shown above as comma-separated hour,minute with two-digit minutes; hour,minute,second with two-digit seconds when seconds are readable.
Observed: 8,01
